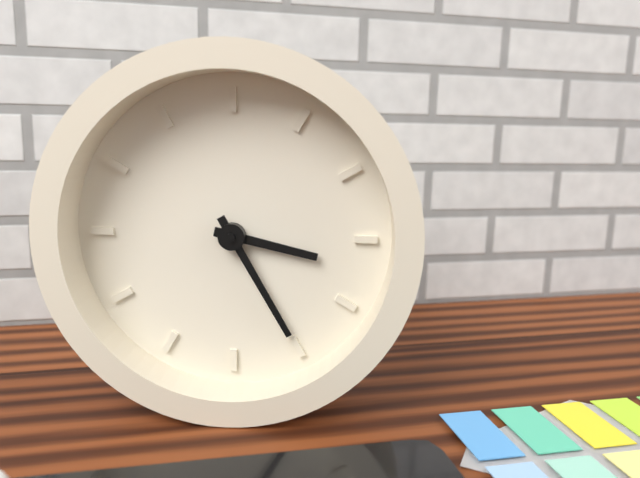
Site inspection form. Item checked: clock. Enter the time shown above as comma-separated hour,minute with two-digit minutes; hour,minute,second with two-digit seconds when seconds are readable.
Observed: 3,25
